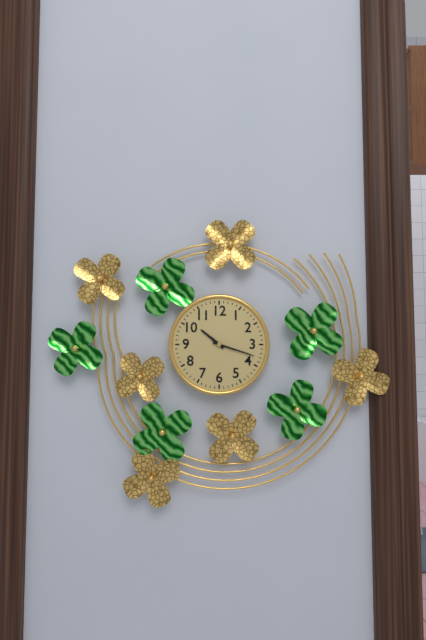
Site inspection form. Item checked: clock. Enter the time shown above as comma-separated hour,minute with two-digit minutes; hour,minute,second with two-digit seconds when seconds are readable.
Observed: 10,18
